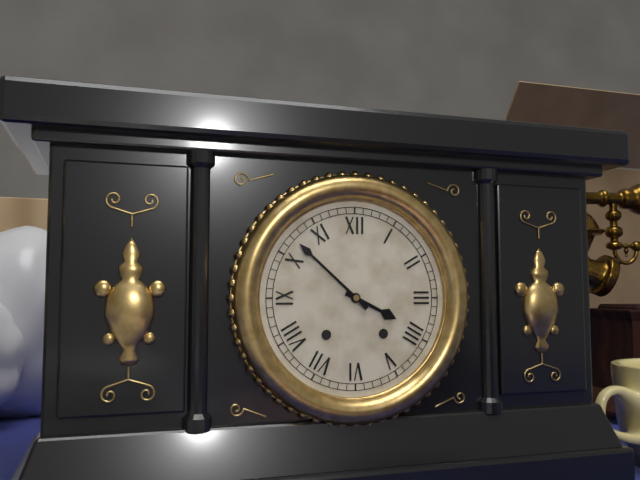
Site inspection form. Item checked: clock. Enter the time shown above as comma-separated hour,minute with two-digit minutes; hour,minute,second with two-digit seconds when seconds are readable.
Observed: 3,52
